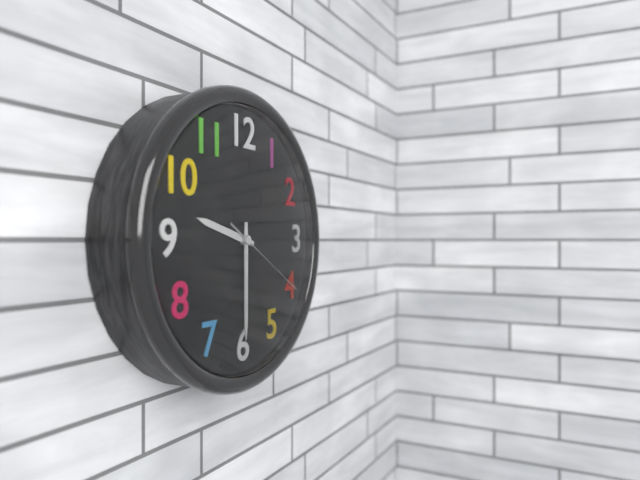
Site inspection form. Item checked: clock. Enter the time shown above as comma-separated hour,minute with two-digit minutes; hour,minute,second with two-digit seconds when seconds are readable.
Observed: 9,30,20
